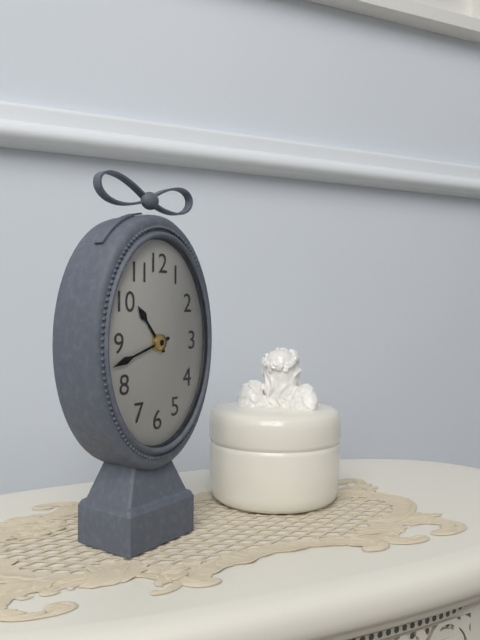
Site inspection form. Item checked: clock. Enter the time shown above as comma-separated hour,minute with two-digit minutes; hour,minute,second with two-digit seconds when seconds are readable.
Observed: 10,42
